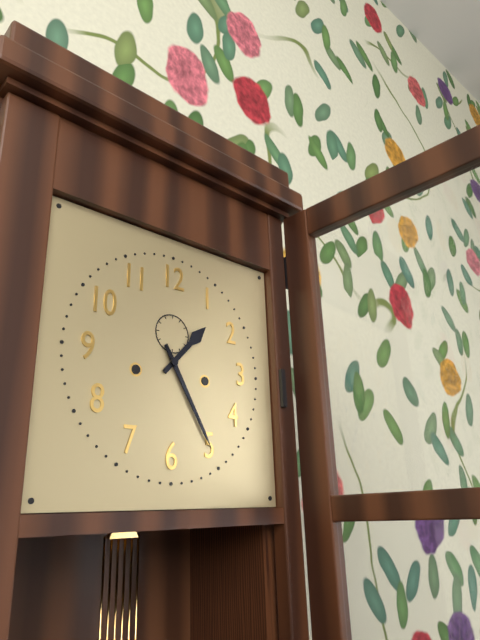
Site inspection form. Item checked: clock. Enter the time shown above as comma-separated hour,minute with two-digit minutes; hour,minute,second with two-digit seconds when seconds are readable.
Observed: 1,25
